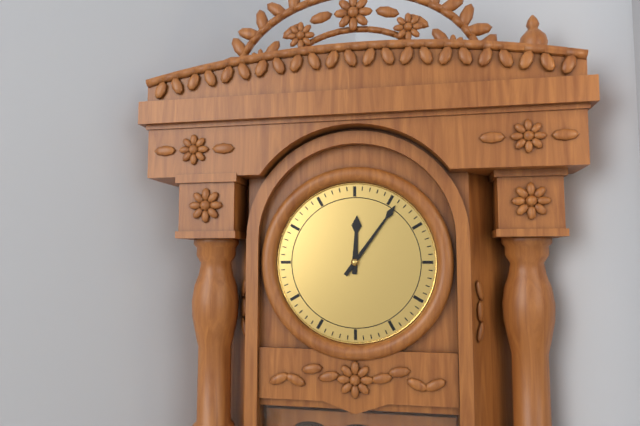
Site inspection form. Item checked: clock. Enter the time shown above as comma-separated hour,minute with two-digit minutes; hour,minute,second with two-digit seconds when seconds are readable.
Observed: 12,06
